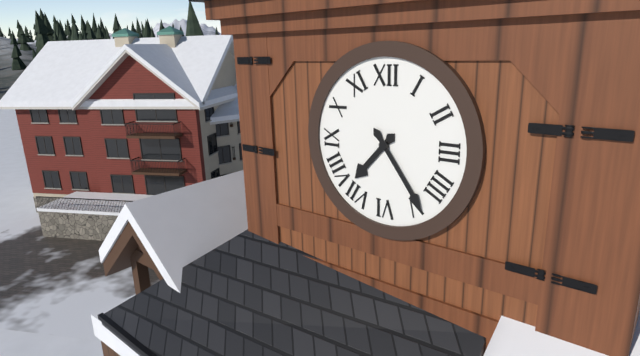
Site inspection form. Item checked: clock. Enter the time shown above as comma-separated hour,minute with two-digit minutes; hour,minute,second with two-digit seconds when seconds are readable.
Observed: 7,24
